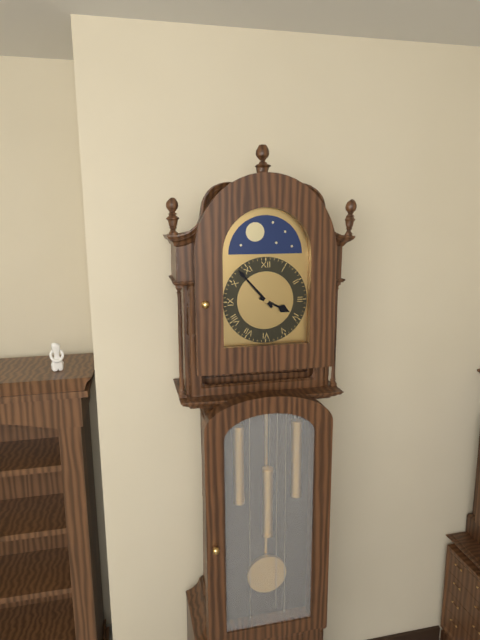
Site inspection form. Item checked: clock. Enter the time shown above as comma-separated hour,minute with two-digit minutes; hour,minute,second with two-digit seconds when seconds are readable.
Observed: 3,53
